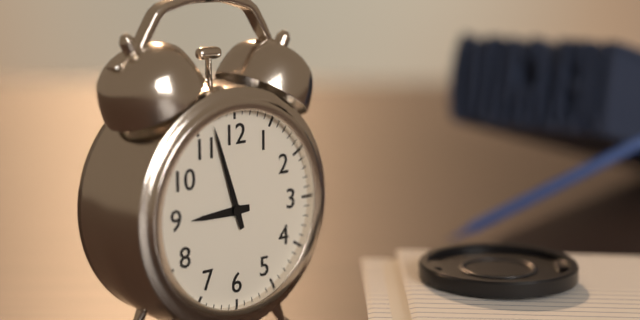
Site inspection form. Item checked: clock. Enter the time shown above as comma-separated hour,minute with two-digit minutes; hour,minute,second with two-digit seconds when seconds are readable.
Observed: 8,57
